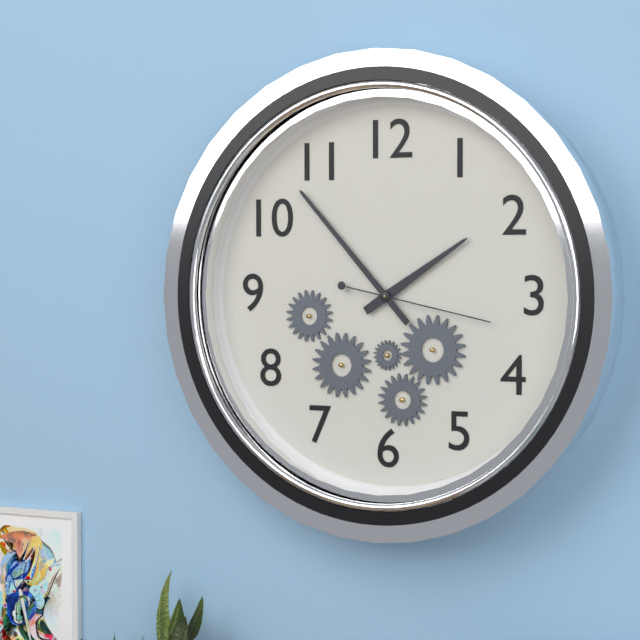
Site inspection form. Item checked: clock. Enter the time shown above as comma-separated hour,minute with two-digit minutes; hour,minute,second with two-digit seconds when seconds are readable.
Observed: 1,53,17
